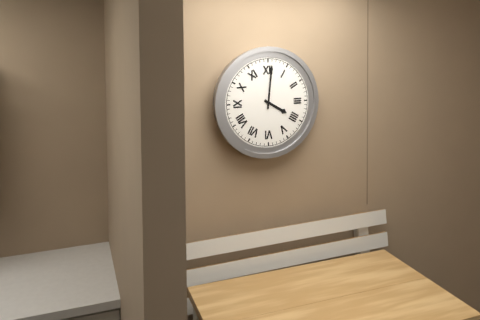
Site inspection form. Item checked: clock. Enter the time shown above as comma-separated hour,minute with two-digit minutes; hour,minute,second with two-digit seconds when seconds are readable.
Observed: 4,01
